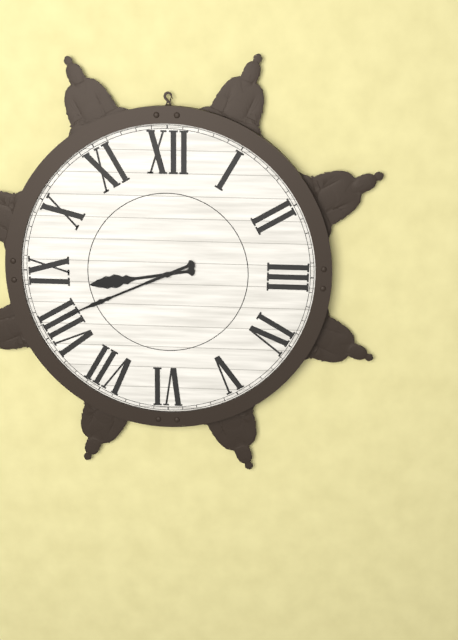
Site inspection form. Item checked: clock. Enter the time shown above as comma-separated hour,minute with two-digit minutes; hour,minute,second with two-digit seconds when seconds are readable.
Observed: 8,41
